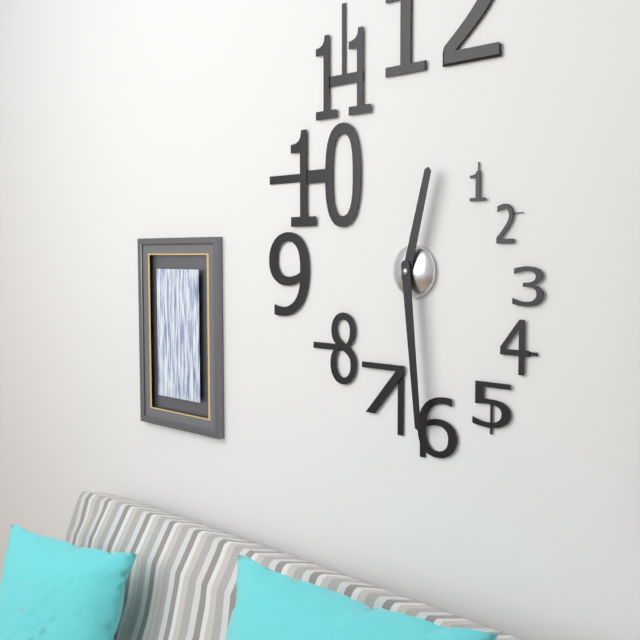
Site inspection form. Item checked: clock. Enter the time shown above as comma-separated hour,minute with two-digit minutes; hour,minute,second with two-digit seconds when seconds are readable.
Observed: 12,29
